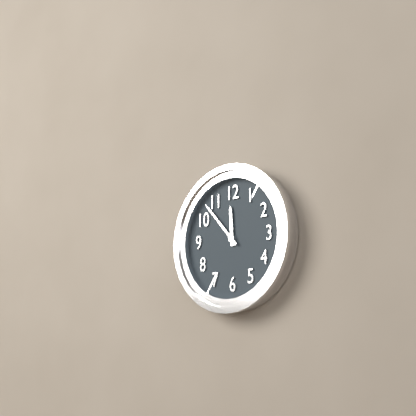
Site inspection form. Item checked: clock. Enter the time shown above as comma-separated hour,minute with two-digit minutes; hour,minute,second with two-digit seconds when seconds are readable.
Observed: 11,53
